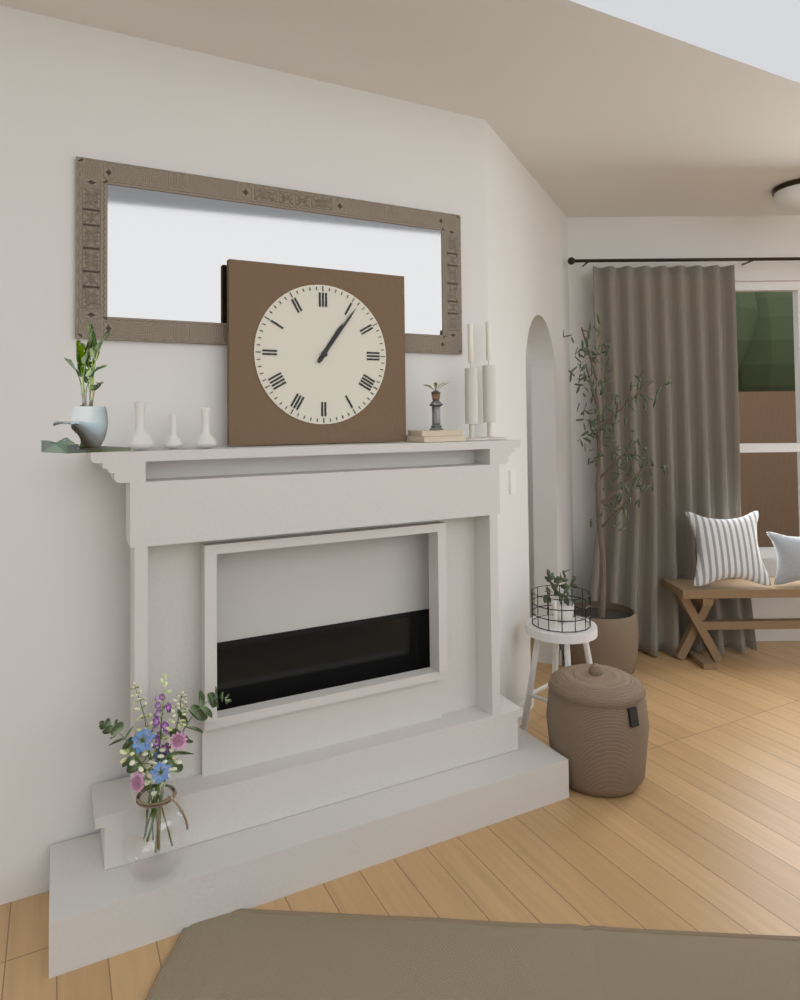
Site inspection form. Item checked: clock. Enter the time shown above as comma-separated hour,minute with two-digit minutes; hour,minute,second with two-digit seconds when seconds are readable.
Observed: 1,06
